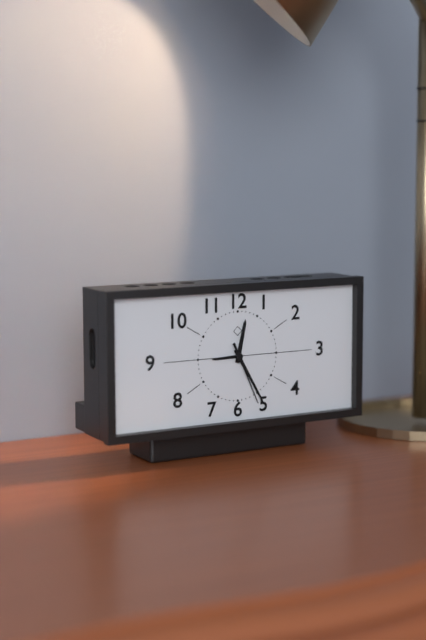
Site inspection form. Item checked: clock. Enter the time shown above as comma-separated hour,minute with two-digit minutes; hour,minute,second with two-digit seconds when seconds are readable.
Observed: 12,25,26
